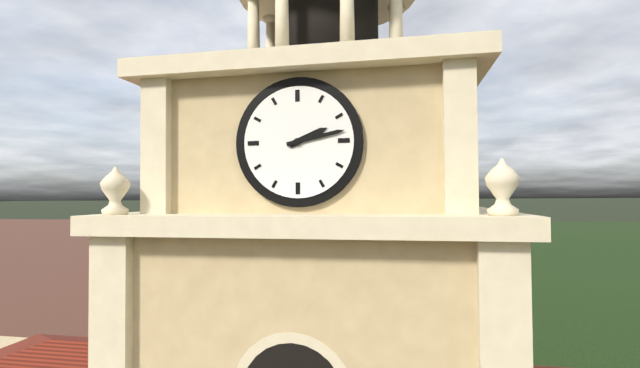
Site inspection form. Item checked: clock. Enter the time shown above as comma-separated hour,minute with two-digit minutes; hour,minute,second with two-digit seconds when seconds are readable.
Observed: 2,13
